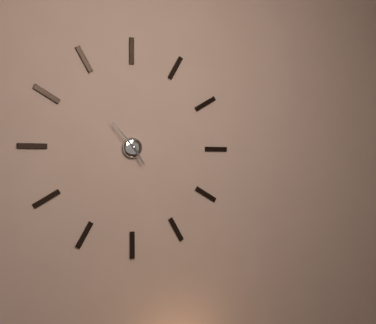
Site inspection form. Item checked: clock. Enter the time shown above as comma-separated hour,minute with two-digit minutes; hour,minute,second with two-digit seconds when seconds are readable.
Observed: 4,53
